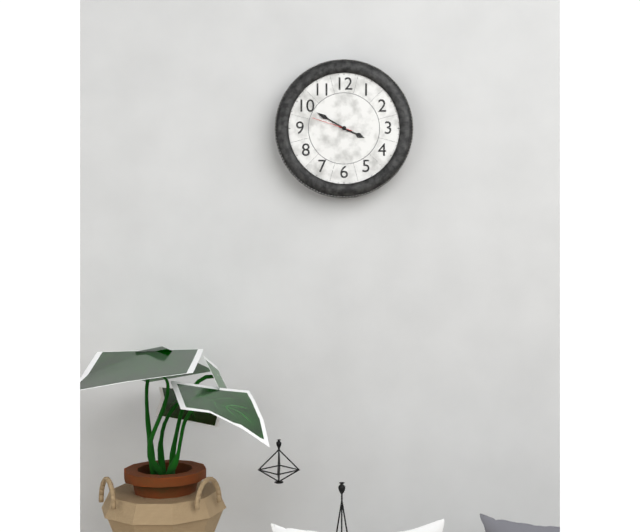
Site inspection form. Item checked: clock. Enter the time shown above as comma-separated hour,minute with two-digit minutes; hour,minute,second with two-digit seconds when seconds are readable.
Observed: 3,50
